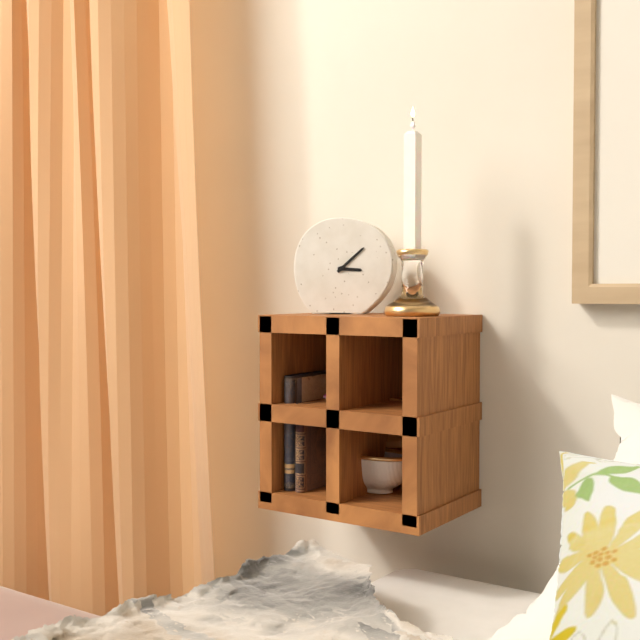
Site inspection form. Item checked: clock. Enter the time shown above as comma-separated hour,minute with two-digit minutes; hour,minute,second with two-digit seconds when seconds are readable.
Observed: 3,08
